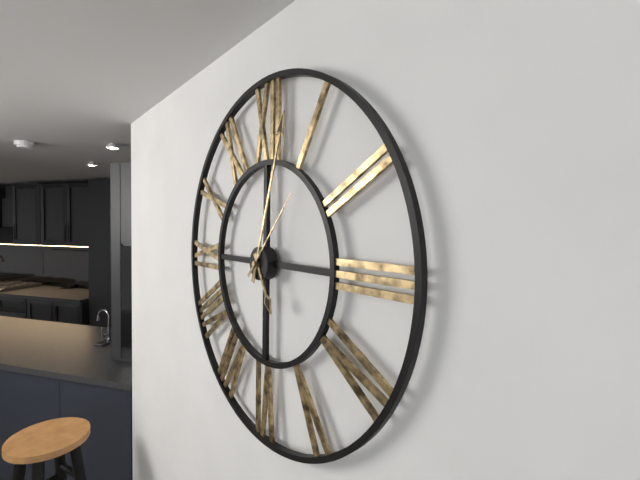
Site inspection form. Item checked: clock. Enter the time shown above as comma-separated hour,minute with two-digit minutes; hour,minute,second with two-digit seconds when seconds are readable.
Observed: 5,03,07
